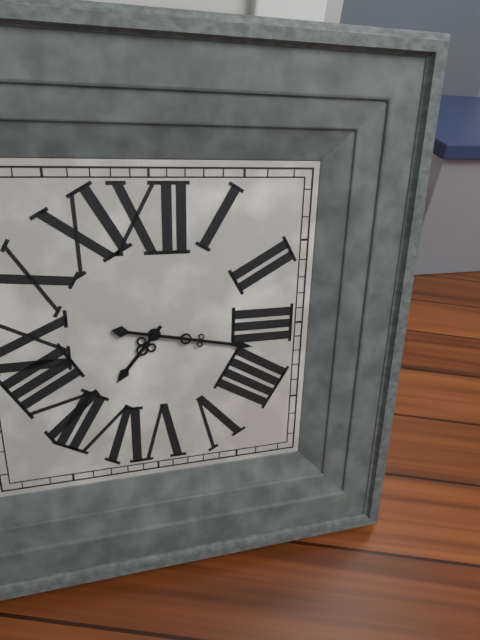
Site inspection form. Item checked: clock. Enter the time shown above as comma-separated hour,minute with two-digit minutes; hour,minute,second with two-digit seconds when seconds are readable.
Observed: 7,17
